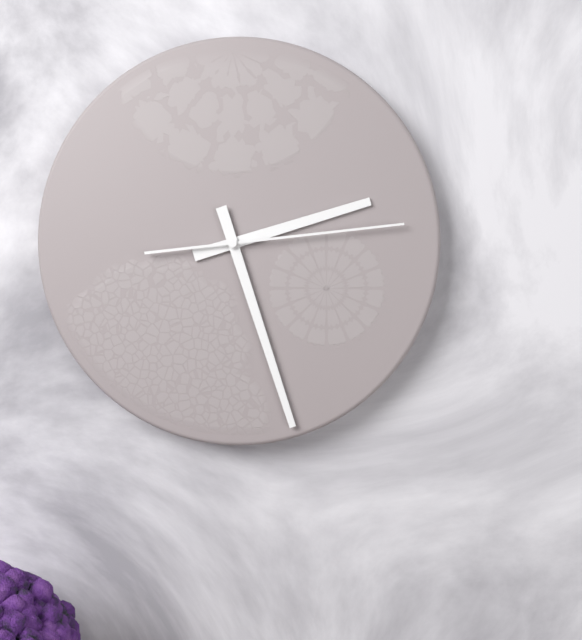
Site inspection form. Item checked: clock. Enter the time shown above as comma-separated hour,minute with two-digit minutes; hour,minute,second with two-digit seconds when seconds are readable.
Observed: 2,27,14
